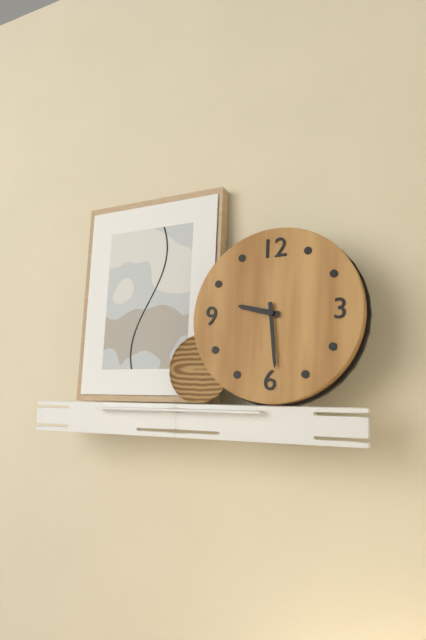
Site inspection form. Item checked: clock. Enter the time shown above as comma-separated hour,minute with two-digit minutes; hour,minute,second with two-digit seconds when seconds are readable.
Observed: 9,29
